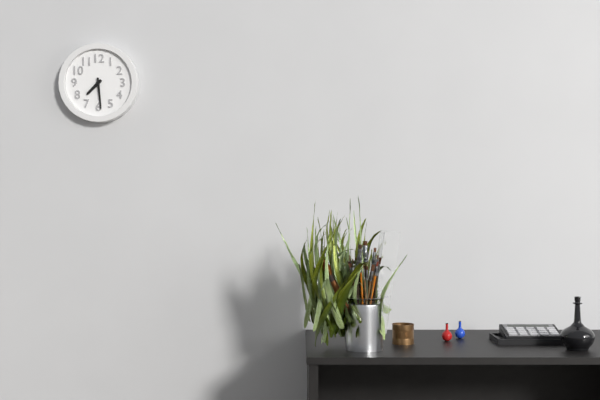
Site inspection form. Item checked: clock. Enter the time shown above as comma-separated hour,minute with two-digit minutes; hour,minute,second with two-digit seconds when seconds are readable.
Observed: 7,29
